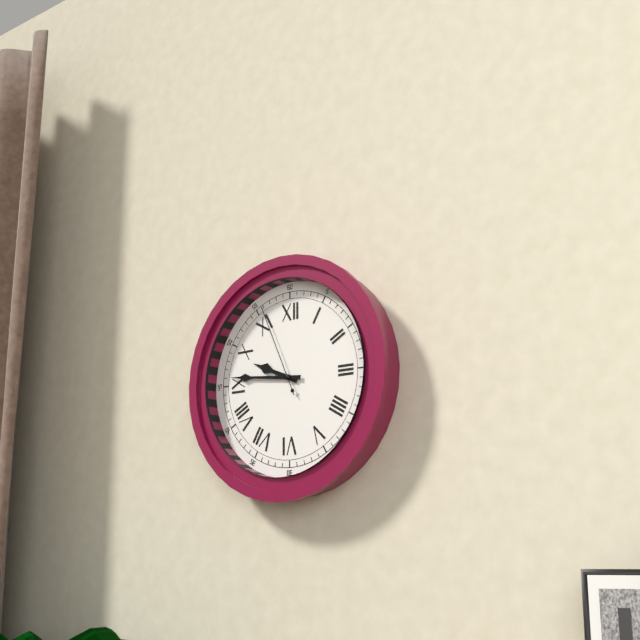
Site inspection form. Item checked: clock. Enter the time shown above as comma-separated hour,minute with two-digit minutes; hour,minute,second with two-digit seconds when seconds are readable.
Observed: 9,46,56
